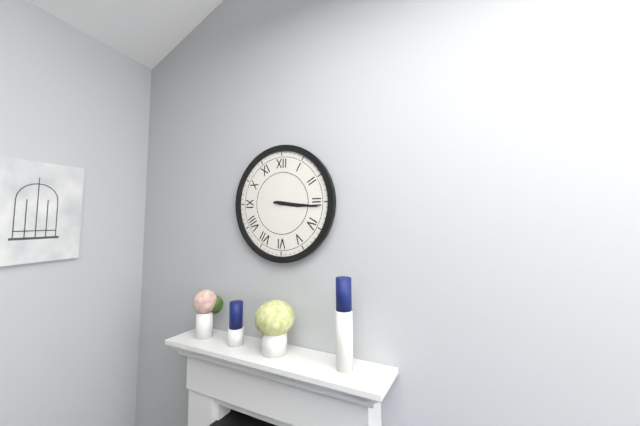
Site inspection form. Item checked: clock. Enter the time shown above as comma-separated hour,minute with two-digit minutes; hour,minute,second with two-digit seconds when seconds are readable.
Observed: 3,16
